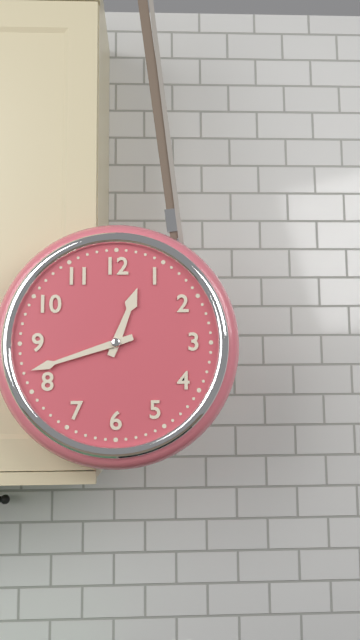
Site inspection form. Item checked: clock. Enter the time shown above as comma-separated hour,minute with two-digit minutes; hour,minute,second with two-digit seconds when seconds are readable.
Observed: 12,42
